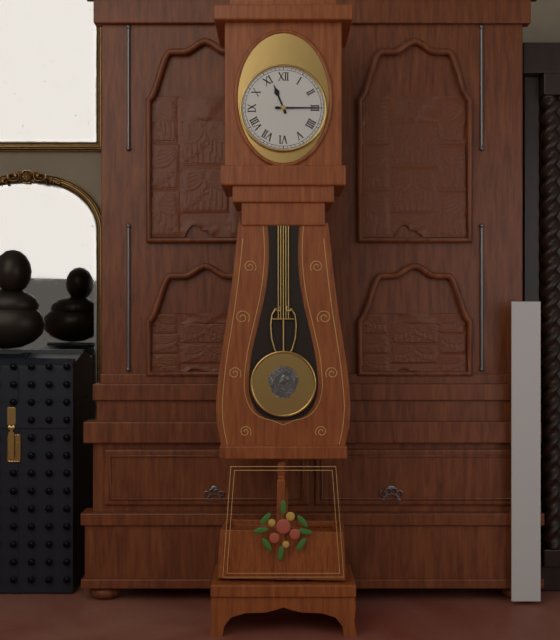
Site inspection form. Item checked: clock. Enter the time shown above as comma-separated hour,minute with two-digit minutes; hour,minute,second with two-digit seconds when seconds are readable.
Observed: 11,15
